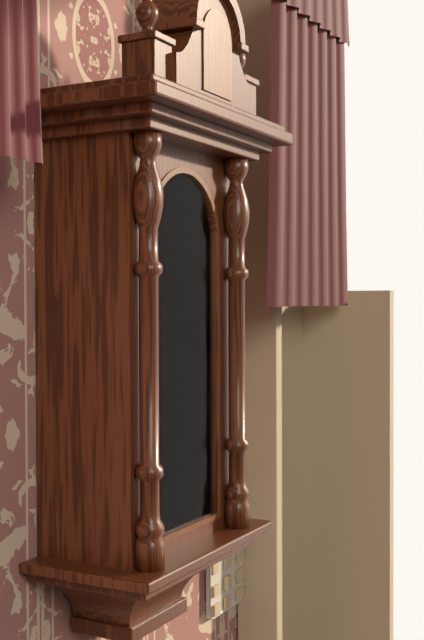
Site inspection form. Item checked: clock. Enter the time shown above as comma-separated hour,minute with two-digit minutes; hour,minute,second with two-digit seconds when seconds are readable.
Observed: 4,05
